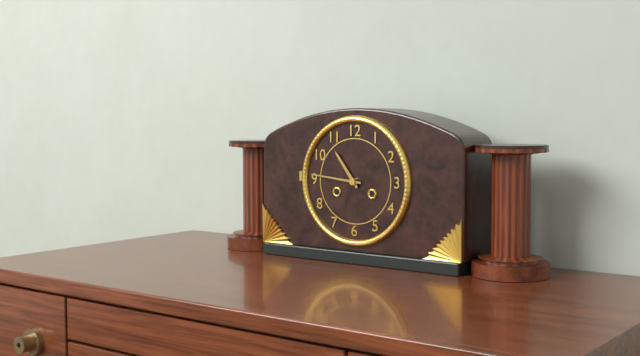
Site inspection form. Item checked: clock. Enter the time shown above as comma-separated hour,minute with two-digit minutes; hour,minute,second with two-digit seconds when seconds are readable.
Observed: 10,46
